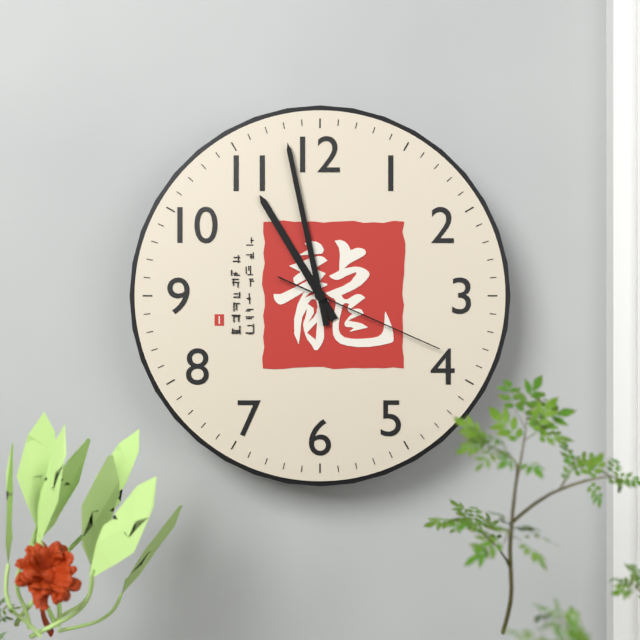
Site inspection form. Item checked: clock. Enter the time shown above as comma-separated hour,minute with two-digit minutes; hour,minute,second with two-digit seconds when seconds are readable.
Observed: 10,58,19
